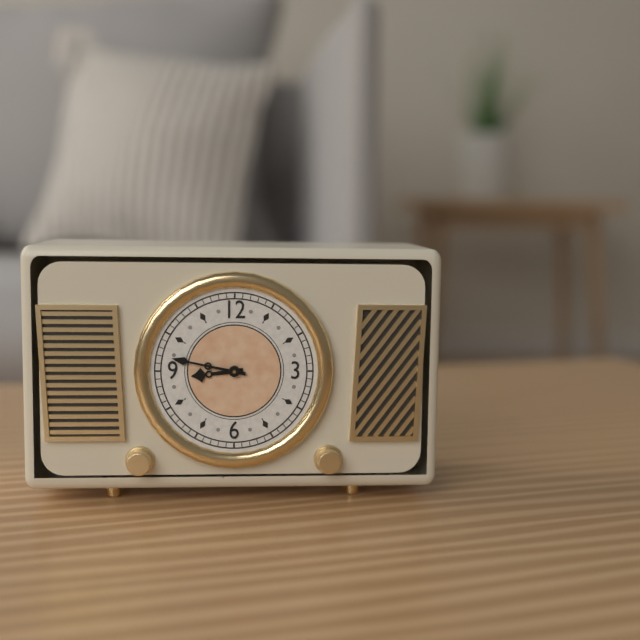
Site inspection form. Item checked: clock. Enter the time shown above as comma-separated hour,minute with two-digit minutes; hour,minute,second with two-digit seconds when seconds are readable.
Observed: 8,47
